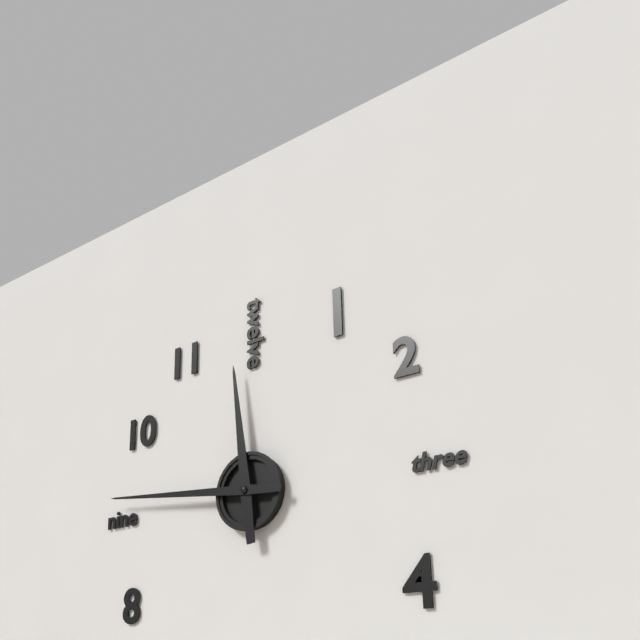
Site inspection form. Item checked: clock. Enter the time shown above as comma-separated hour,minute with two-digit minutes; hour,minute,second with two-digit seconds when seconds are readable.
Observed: 11,46
